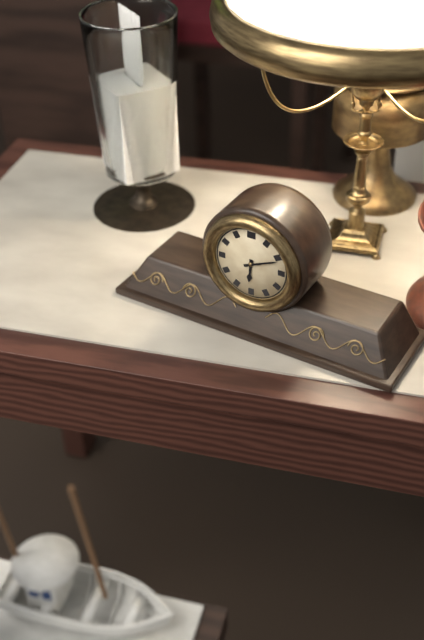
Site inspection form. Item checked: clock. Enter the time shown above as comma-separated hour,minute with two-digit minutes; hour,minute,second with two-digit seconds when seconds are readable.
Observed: 6,11
